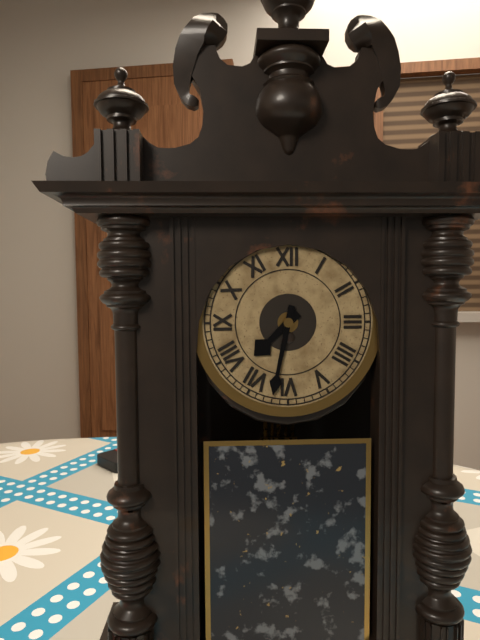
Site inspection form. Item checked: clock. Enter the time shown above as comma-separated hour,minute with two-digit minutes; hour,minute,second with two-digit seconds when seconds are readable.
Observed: 7,32
